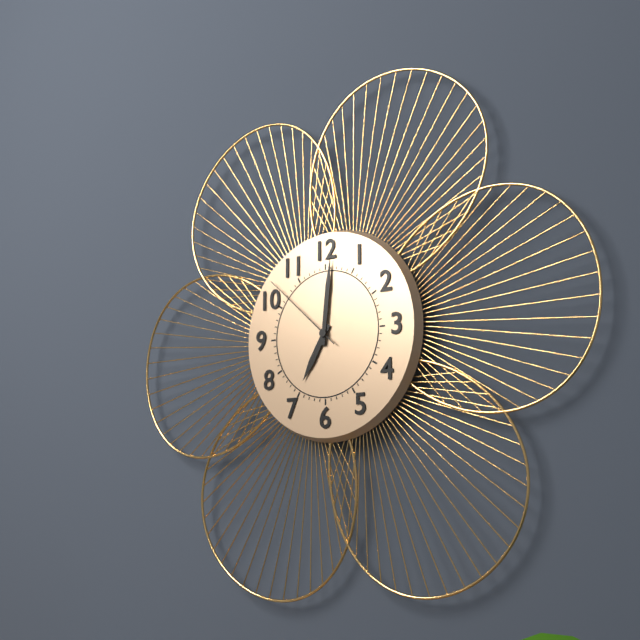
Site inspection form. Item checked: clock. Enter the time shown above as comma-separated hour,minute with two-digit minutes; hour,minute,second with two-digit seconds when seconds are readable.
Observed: 7,01,52
